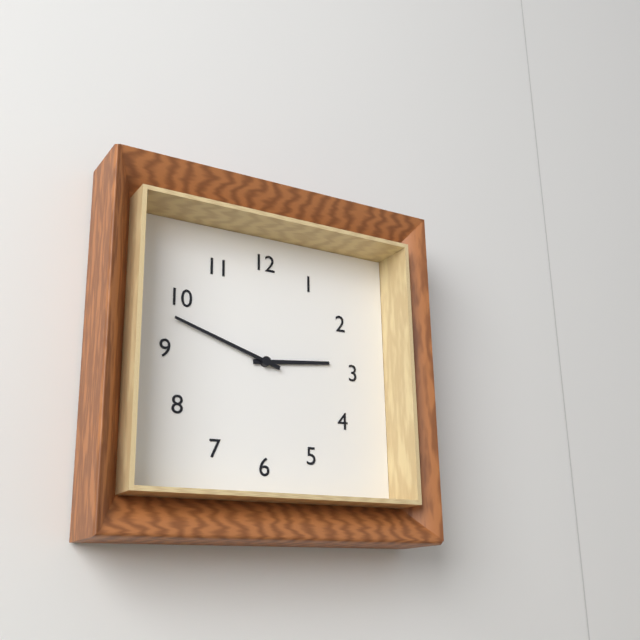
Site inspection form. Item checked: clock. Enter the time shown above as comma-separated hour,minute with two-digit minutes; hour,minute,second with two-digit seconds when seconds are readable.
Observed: 2,48
